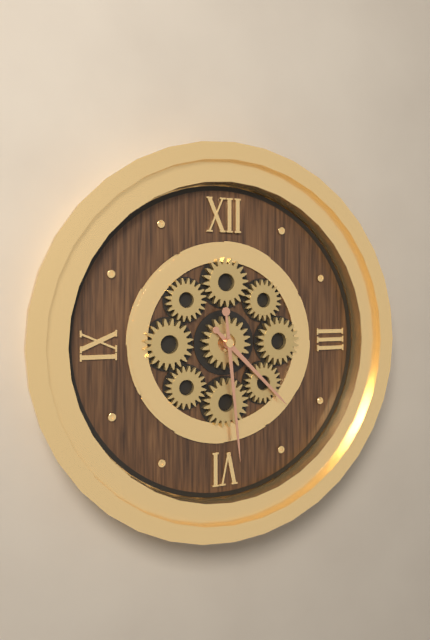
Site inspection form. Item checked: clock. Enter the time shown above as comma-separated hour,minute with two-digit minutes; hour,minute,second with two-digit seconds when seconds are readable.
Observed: 4,29
